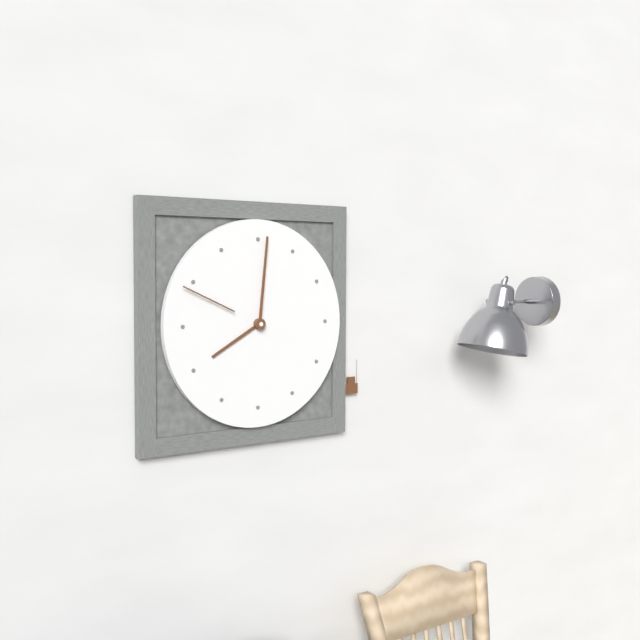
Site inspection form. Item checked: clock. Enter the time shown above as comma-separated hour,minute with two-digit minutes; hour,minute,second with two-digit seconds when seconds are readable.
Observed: 8,01,49
